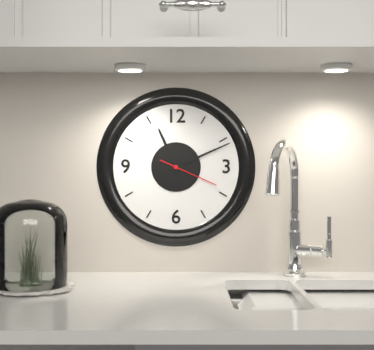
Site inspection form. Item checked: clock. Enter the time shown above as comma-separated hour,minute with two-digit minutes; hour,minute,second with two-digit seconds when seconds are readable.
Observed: 11,11,19
